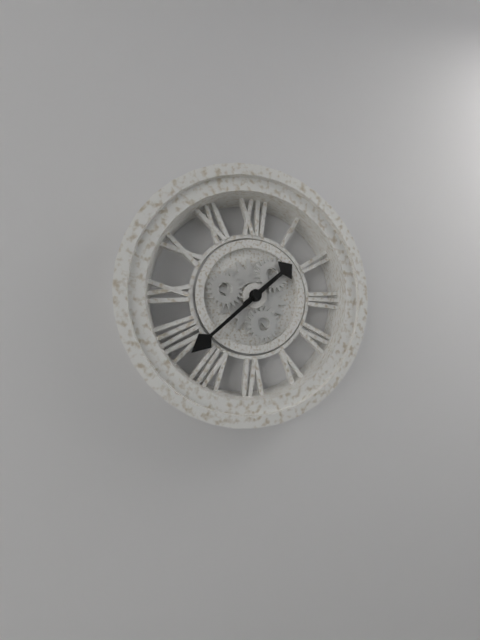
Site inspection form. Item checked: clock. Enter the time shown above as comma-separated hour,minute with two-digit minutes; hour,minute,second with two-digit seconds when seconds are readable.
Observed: 1,38
